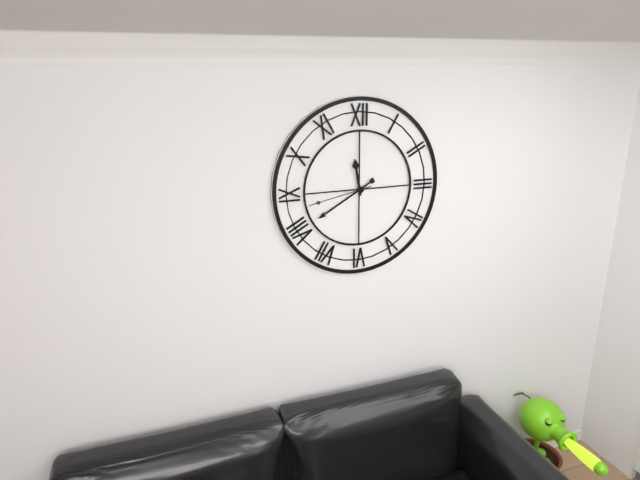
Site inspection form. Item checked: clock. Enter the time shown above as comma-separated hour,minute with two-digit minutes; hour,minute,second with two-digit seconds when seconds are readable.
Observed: 11,40,43
